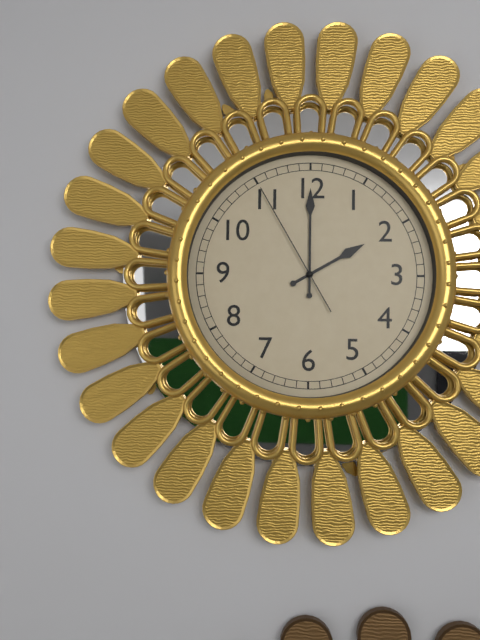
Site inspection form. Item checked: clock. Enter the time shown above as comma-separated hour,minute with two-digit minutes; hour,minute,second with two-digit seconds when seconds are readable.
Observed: 2,00,55
